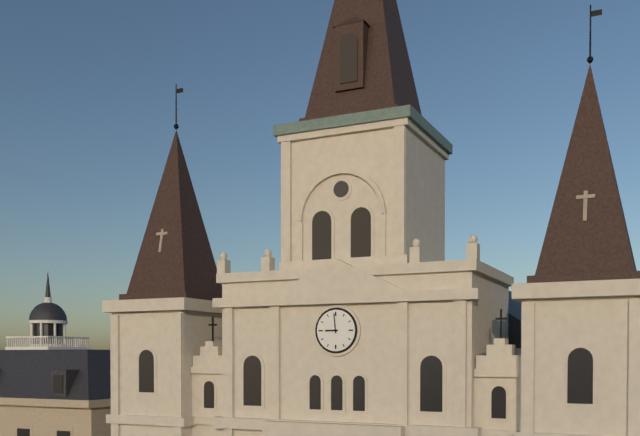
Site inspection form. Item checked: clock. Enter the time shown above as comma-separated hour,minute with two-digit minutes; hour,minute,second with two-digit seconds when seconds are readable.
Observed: 8,59
